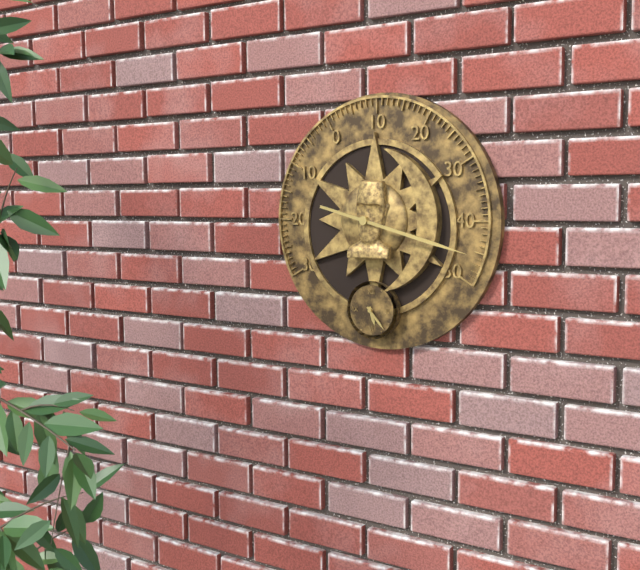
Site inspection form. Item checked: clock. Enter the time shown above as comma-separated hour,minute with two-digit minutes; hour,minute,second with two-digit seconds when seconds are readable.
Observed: 5,23
